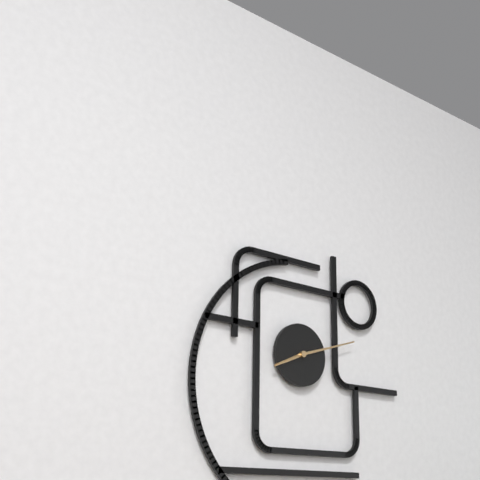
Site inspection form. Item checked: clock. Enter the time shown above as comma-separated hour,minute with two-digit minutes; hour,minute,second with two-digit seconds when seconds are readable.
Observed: 8,12
